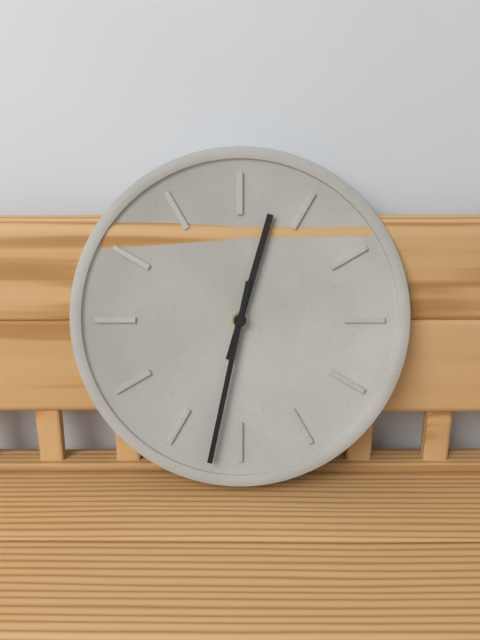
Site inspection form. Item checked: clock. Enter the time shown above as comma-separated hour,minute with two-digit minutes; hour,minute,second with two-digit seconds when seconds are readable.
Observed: 12,32
